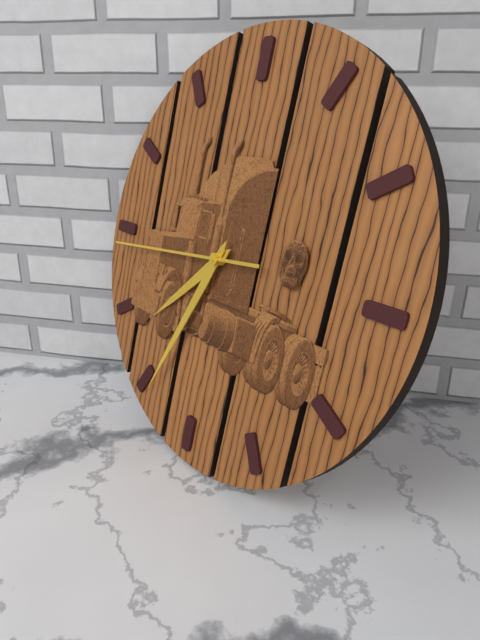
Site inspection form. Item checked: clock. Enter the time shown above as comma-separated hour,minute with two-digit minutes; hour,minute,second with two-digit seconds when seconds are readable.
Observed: 7,34,44
